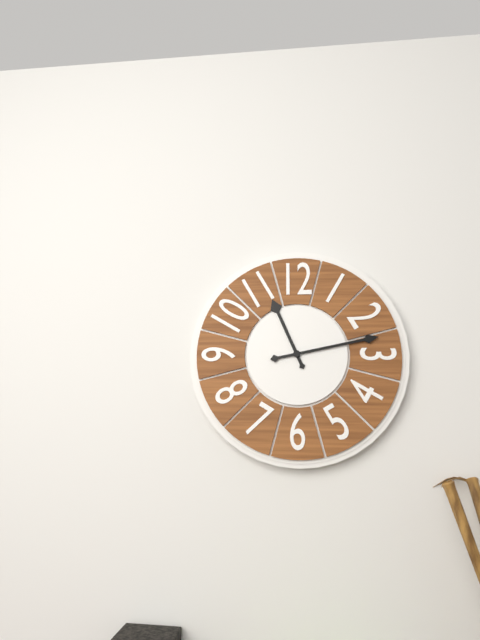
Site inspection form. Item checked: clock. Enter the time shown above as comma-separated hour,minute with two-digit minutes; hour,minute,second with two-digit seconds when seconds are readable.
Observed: 11,13
